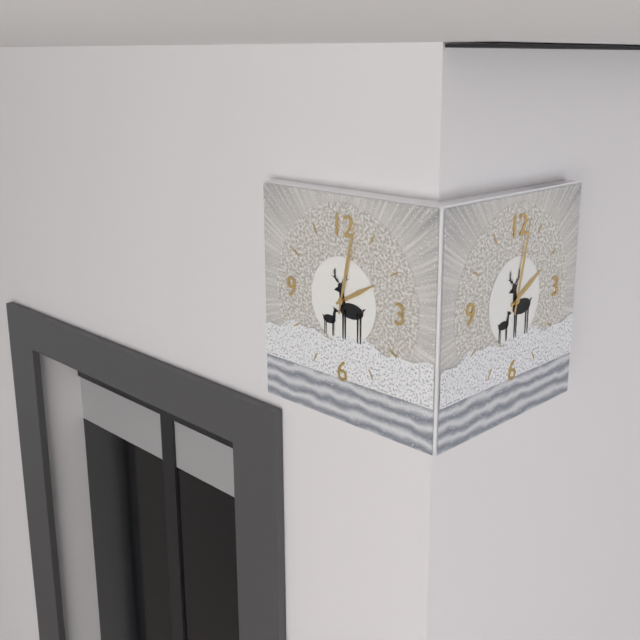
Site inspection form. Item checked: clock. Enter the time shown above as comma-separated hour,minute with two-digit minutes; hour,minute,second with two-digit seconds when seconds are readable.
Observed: 2,02
